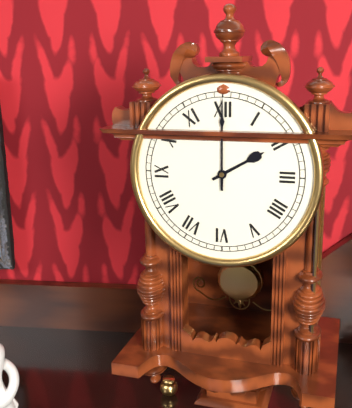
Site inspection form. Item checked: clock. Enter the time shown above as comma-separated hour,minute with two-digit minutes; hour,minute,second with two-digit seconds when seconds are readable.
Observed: 2,00
